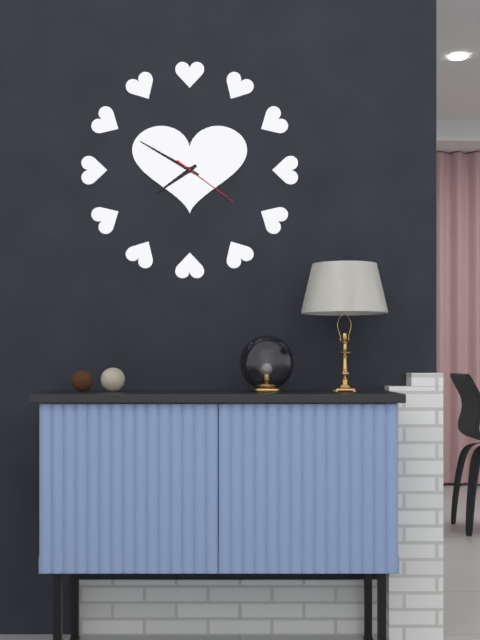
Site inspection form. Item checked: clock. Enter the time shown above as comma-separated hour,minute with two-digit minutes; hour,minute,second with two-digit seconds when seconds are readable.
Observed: 7,50,21
